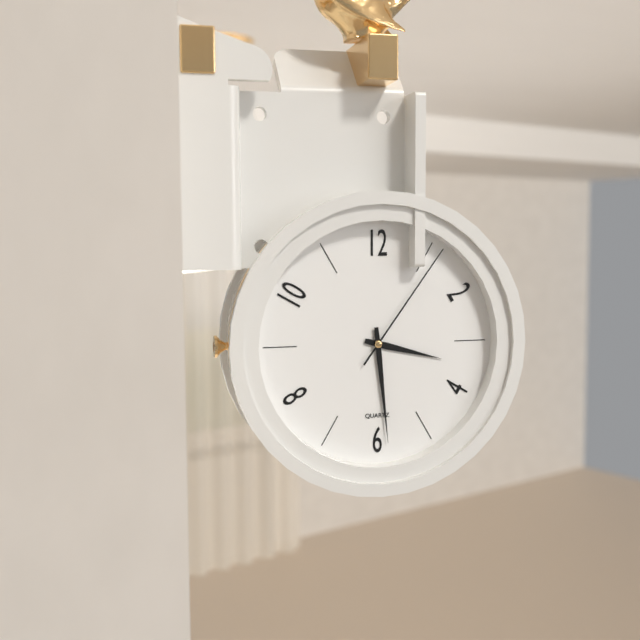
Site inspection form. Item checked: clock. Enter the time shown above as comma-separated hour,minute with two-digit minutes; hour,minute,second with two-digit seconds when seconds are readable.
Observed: 3,29,06
